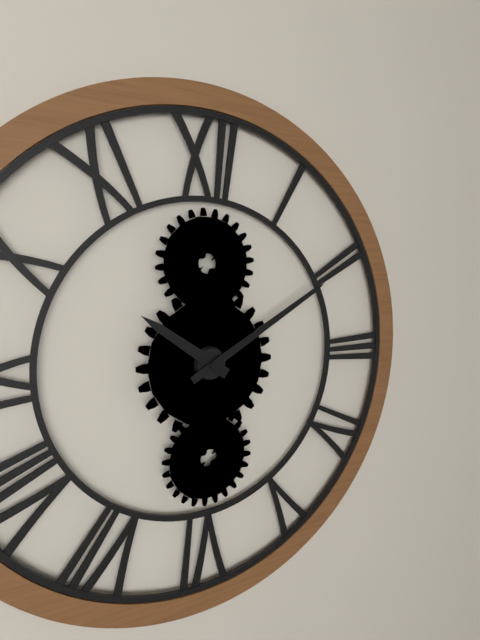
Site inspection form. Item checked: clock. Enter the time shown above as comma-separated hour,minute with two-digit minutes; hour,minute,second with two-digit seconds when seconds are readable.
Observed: 10,10
